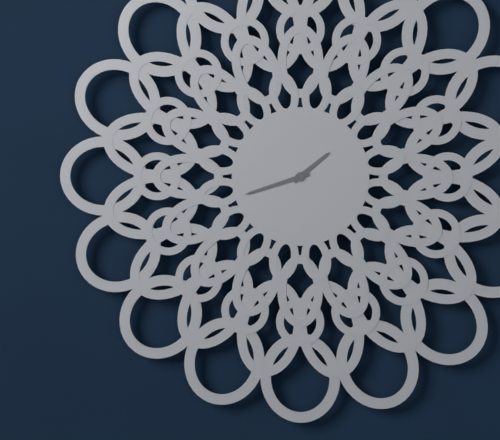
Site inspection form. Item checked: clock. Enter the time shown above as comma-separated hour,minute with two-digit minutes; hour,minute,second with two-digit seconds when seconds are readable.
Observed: 1,42
